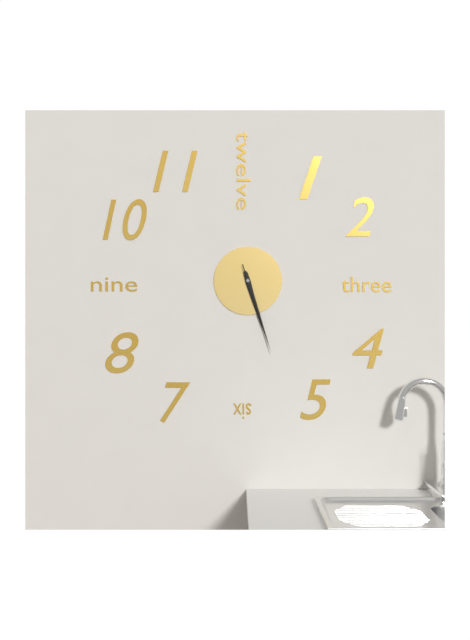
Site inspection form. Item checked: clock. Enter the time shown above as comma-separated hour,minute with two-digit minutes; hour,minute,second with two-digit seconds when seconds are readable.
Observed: 5,27,27
